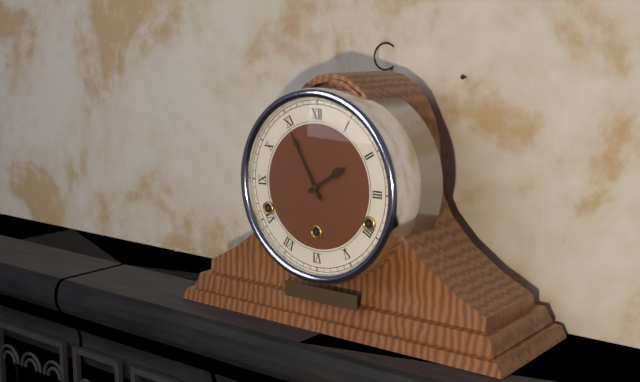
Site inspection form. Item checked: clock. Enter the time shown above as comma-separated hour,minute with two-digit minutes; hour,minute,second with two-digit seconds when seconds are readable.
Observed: 1,55
